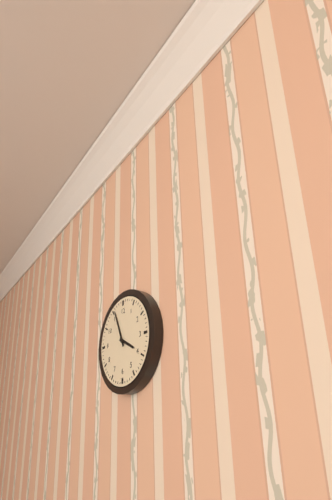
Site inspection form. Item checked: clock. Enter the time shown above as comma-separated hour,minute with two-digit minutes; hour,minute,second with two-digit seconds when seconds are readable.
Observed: 3,56
